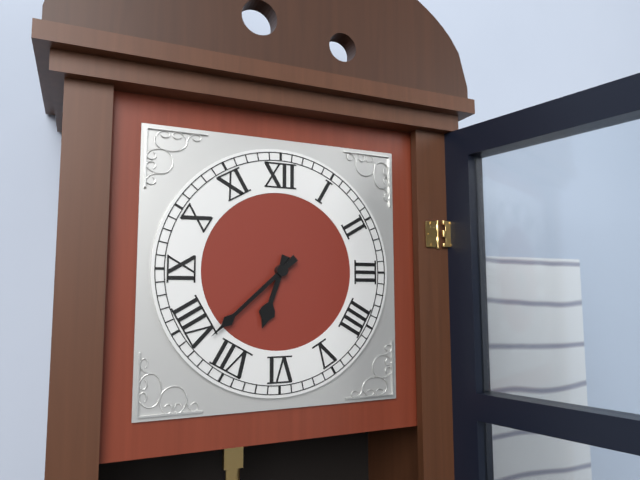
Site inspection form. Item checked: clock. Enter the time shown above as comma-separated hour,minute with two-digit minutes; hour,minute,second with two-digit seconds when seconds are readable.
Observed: 6,38
